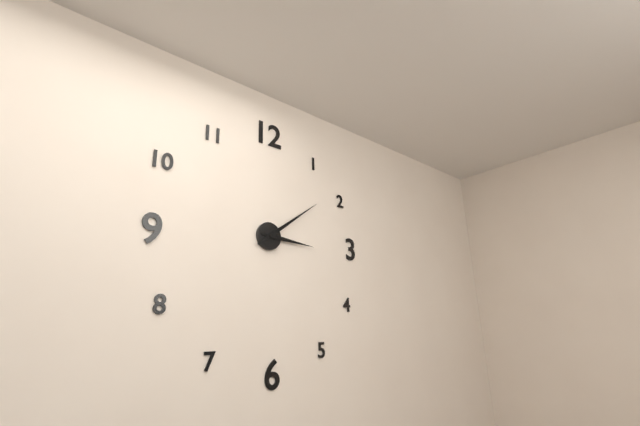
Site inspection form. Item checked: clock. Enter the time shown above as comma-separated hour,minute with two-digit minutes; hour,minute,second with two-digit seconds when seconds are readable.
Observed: 3,09
